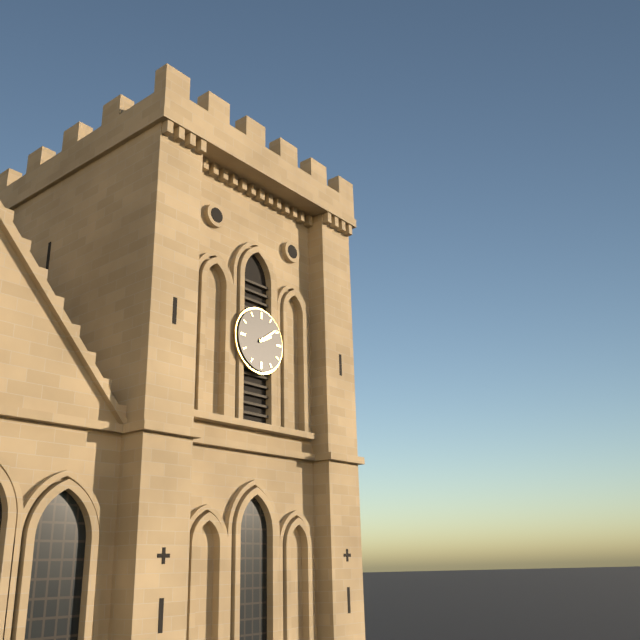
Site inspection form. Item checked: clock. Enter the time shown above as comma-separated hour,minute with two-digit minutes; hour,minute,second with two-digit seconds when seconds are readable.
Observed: 2,09
